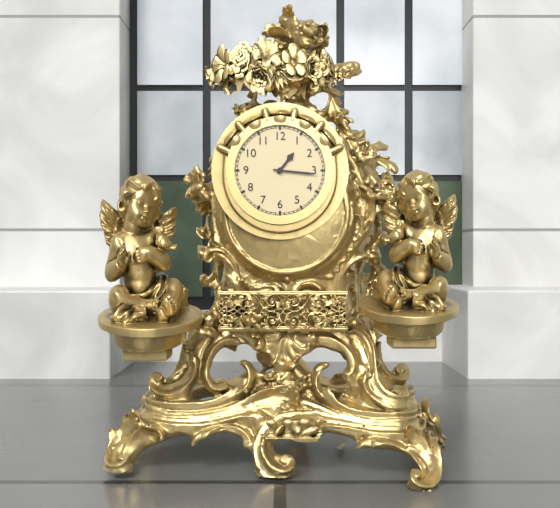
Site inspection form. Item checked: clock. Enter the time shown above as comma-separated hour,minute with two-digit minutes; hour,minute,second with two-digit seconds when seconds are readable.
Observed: 1,16
